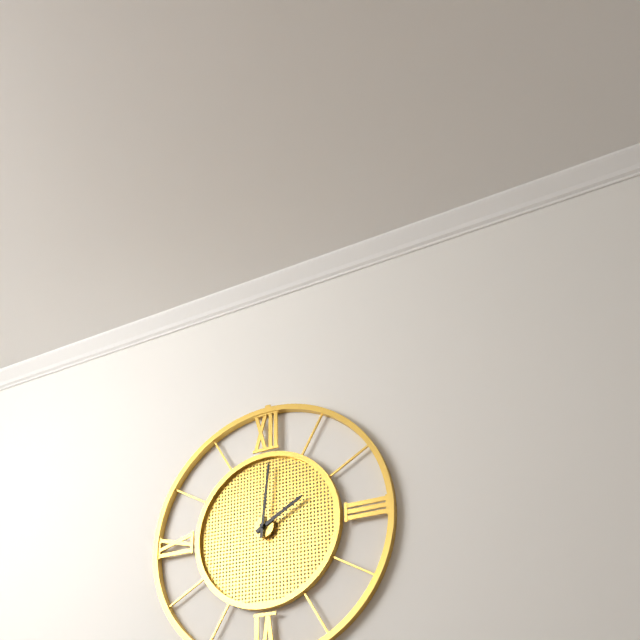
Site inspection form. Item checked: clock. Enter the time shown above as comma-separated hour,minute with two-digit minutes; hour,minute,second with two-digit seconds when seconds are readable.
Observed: 2,01
